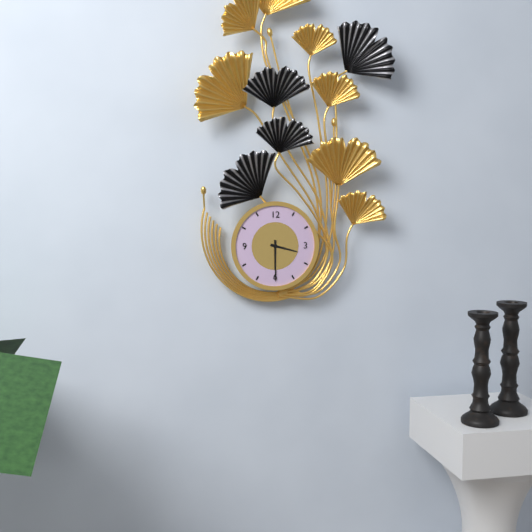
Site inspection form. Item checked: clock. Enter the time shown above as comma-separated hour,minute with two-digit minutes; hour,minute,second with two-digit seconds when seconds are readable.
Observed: 3,30
